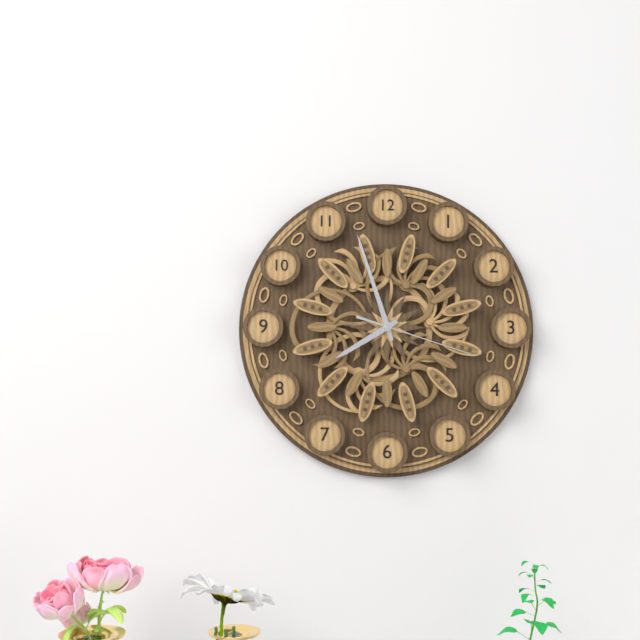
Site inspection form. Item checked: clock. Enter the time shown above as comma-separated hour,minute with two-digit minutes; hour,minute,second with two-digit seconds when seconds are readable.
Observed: 7,57,18
